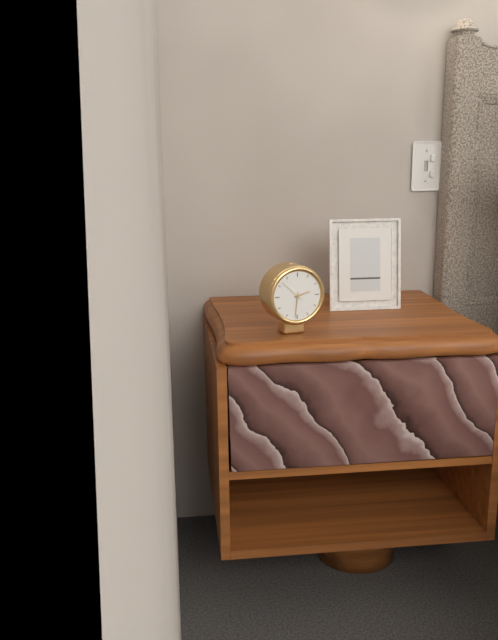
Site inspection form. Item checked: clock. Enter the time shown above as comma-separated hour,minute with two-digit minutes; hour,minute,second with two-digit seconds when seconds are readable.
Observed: 2,31
